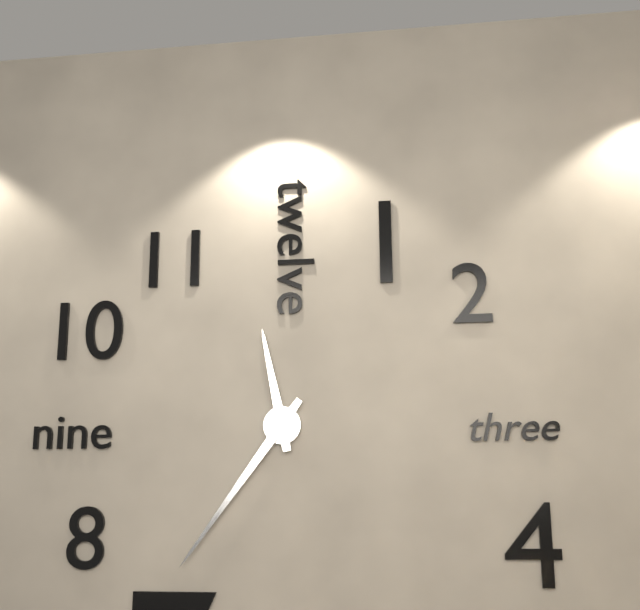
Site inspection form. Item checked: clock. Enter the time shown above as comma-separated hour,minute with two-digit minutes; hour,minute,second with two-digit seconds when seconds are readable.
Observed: 11,36
